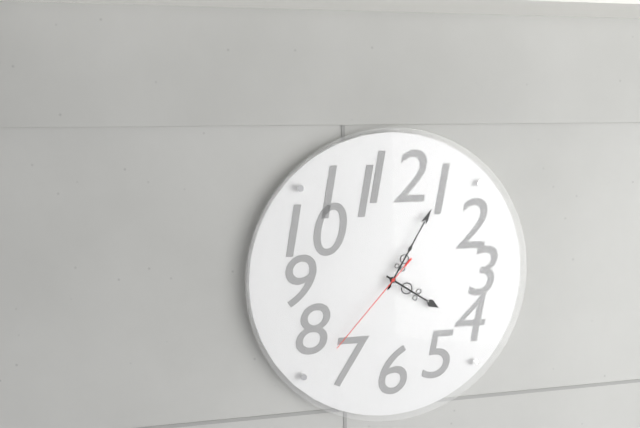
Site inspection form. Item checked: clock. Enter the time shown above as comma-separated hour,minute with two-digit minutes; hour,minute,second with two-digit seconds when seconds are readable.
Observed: 4,05,37
